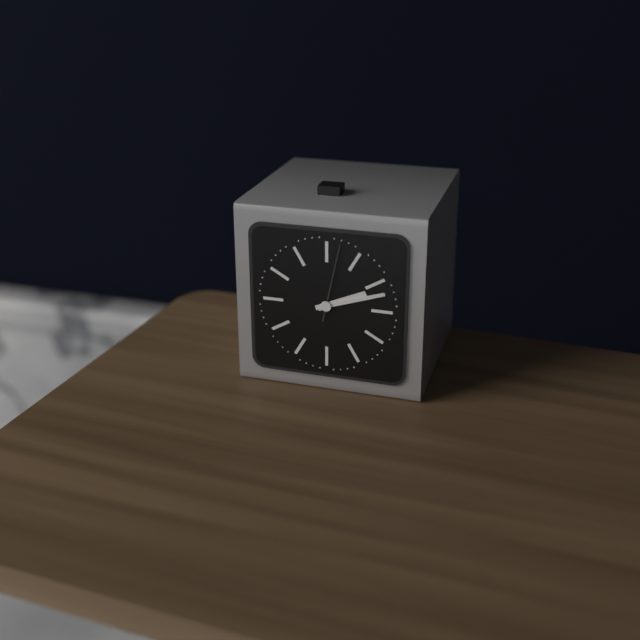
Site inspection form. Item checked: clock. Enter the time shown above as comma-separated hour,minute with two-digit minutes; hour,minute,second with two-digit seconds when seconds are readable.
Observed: 2,12,02
